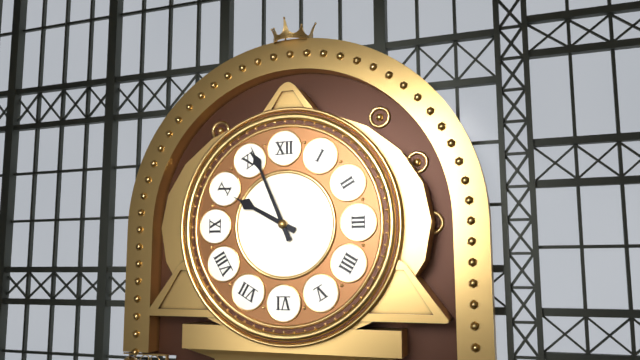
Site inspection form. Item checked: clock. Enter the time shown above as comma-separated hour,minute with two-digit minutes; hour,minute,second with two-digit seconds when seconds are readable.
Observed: 9,56
